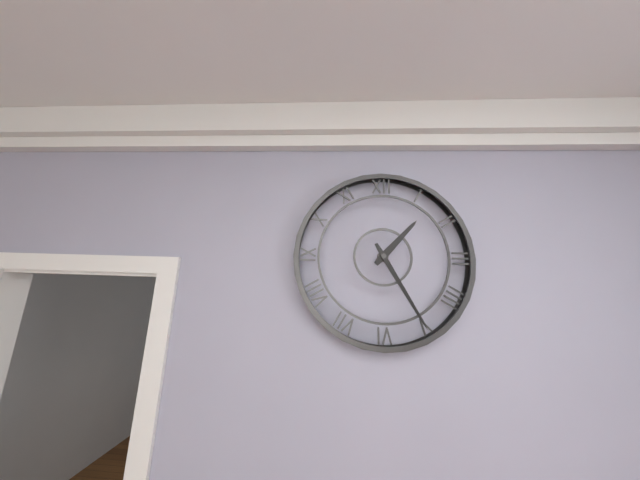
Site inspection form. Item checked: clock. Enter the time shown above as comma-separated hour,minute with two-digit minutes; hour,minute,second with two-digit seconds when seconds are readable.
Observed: 1,25
